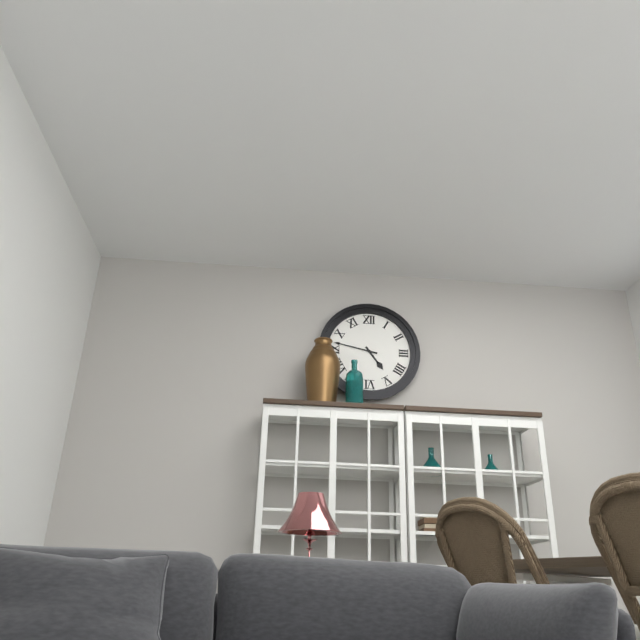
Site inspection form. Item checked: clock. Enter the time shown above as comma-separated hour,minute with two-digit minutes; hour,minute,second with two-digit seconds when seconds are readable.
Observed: 4,47
